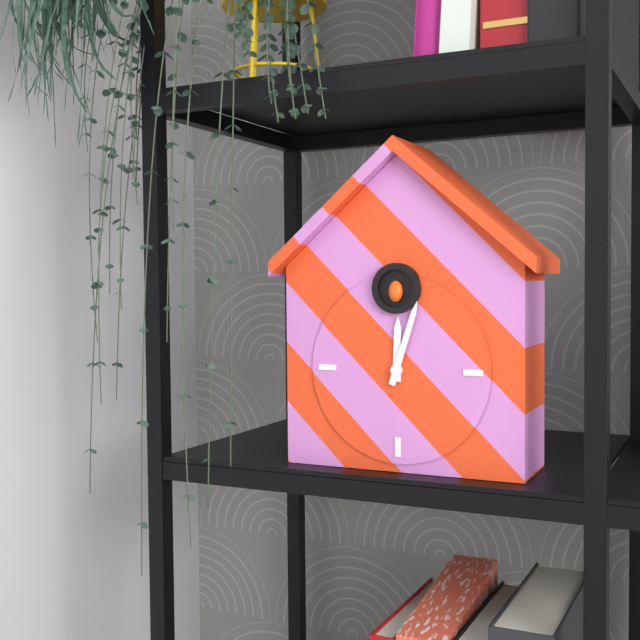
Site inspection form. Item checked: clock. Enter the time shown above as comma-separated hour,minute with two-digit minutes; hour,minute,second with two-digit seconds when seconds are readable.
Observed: 12,03
